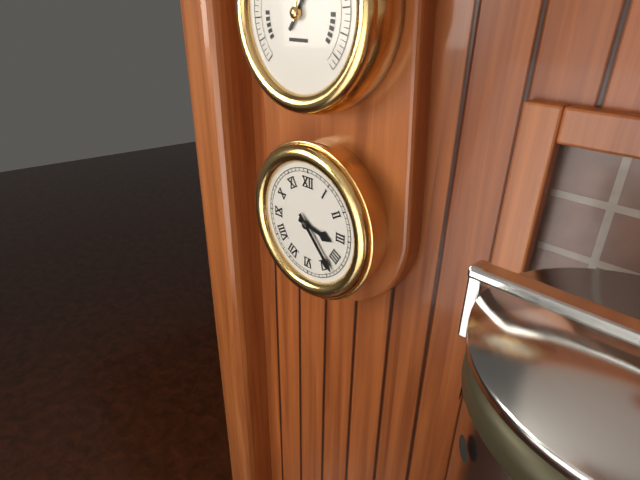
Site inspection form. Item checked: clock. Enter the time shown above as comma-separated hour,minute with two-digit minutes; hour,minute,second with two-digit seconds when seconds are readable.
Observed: 3,23
